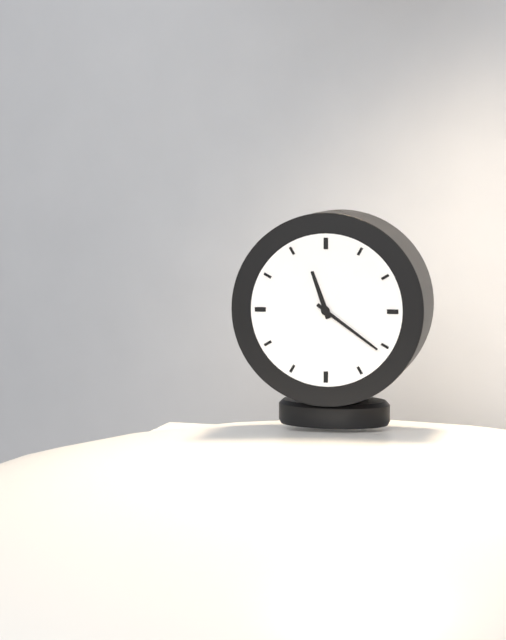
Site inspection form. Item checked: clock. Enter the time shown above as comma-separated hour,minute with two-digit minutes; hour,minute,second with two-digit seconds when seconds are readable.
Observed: 11,21
